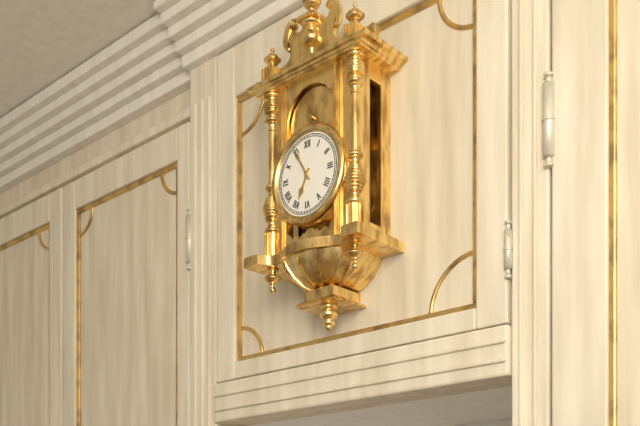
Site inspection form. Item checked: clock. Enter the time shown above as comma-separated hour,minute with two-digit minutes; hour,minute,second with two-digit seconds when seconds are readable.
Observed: 6,55
